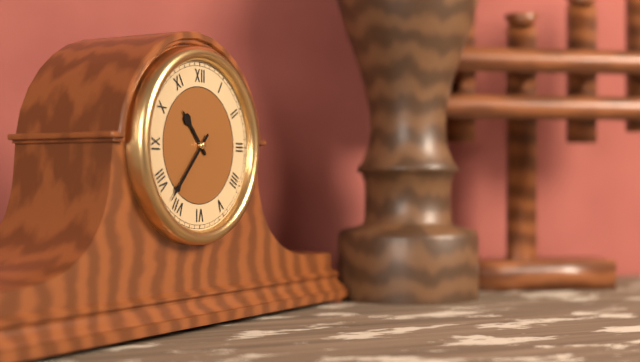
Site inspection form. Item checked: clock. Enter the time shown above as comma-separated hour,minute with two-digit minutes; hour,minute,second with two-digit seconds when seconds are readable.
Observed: 10,37
